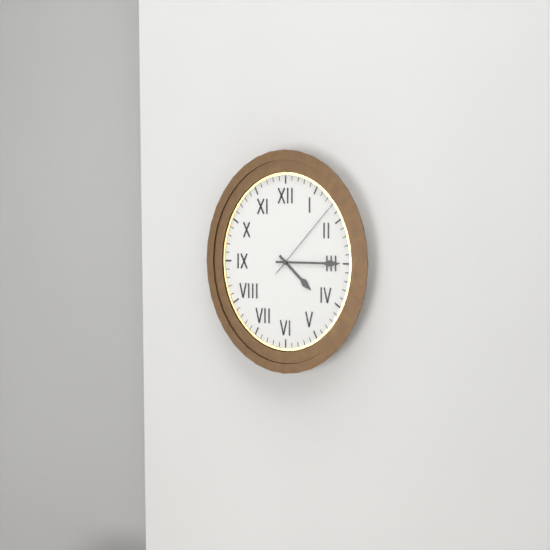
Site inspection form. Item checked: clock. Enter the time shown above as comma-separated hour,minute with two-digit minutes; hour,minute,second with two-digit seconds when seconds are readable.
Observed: 4,15,08
